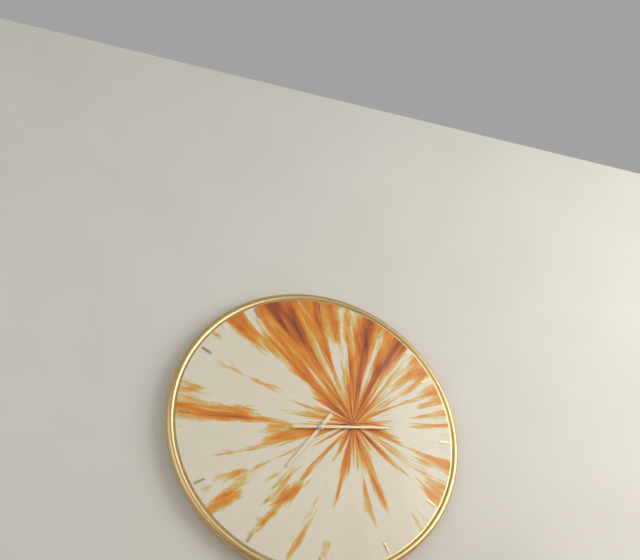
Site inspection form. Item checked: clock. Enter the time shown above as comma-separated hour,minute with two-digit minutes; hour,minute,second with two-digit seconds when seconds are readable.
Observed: 7,14
